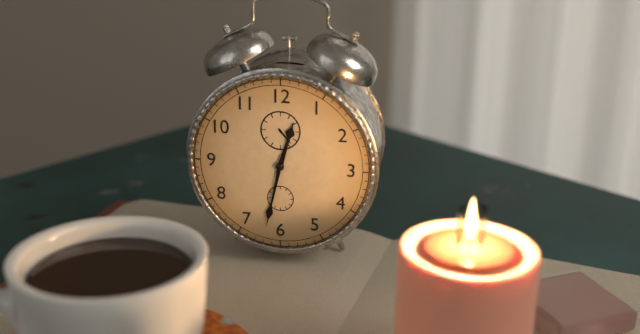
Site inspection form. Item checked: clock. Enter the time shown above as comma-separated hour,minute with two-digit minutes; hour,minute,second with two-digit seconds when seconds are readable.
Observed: 12,32
